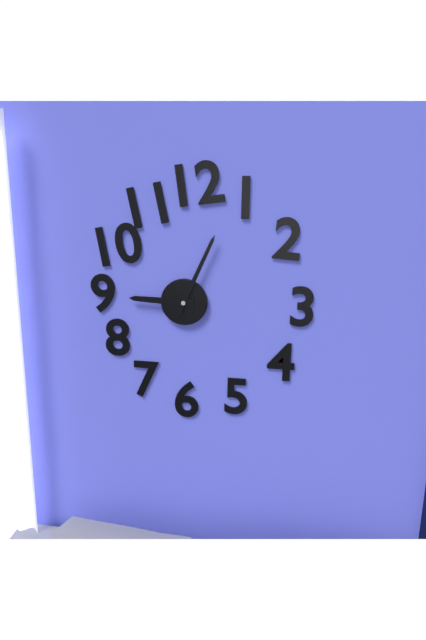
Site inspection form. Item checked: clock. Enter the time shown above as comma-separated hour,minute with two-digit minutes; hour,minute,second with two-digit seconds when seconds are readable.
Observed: 9,04
